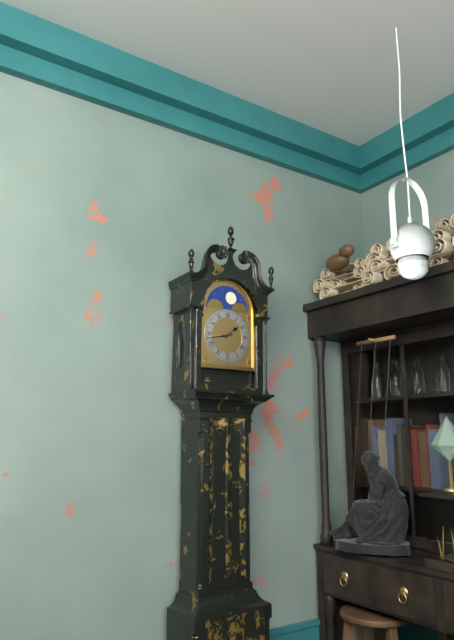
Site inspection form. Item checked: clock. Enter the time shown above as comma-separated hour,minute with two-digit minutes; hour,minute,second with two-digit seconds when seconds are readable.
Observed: 1,43
